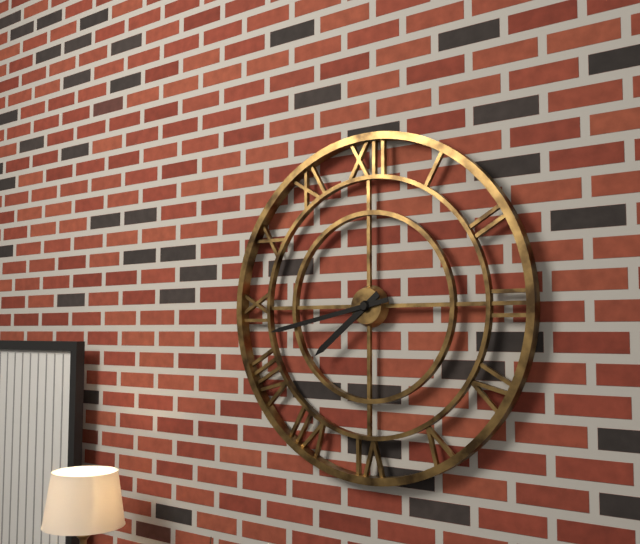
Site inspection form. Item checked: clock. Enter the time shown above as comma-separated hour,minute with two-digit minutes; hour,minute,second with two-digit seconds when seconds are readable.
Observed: 7,43
